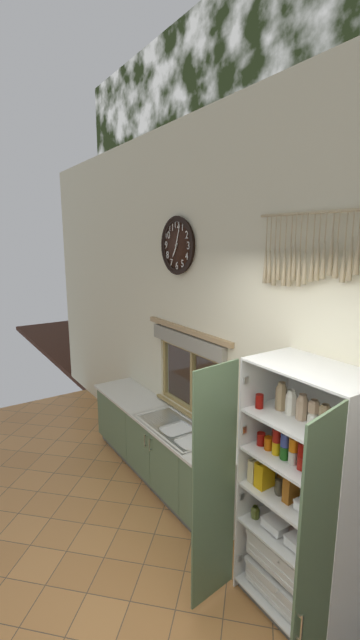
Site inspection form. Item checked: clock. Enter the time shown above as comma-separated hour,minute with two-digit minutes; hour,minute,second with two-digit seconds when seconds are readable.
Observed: 7,03
